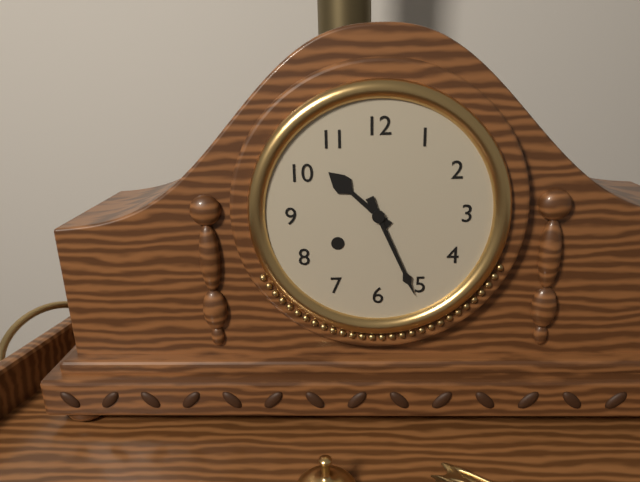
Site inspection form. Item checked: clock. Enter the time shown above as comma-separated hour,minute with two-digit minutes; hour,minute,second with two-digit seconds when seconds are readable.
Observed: 10,26
